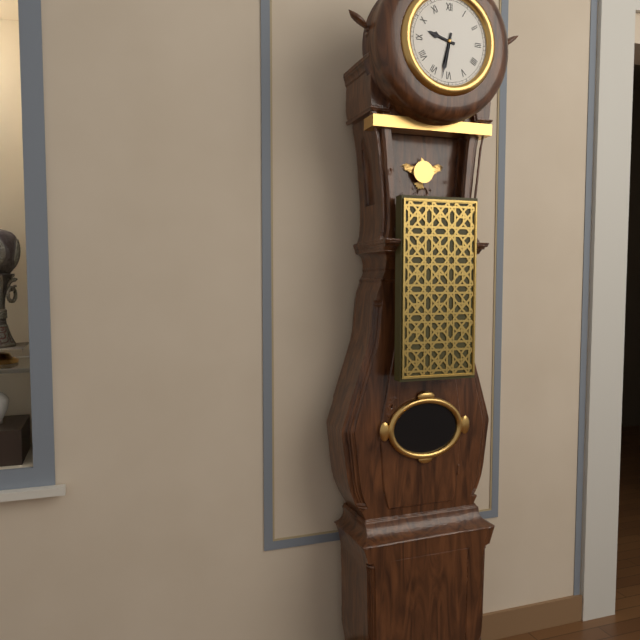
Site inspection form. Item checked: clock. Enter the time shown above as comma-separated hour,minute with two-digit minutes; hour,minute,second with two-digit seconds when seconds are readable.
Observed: 9,32
